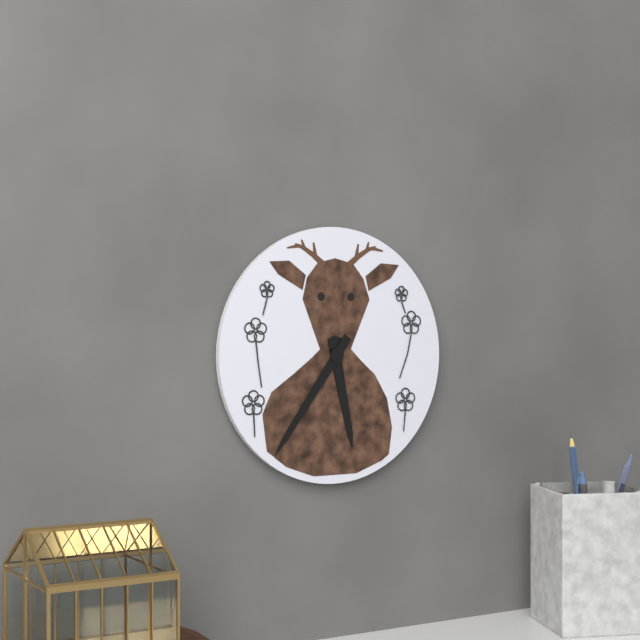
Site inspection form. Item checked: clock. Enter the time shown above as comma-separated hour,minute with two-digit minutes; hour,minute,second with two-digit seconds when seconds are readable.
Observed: 5,36
